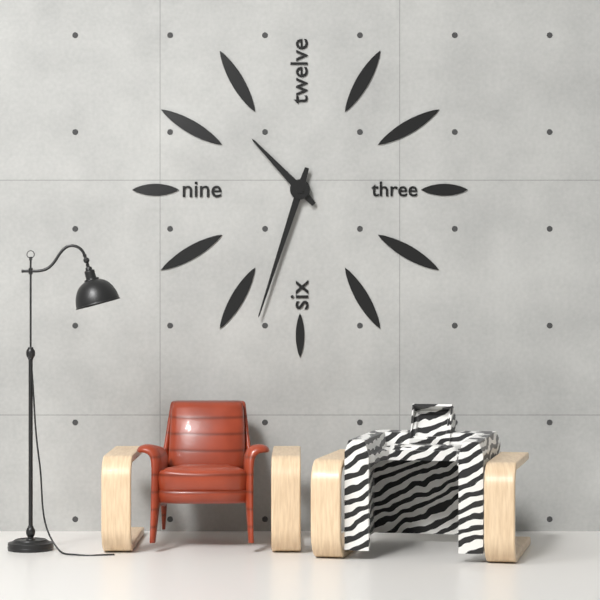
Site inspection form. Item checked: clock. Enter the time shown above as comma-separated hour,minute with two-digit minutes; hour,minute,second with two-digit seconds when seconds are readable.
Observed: 10,33
